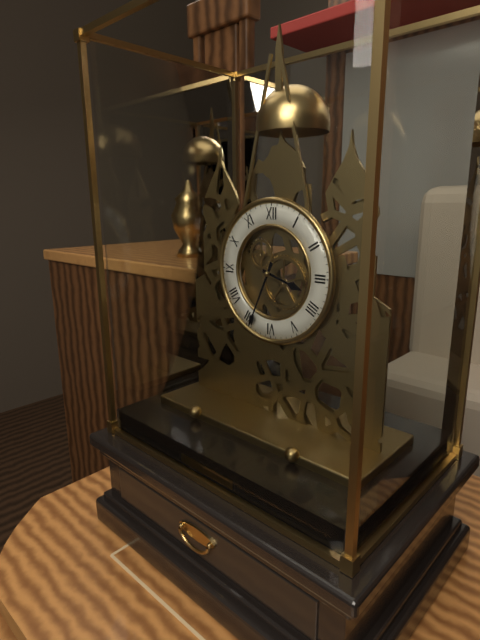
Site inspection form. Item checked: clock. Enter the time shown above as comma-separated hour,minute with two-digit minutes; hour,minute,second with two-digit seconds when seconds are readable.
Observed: 3,34
